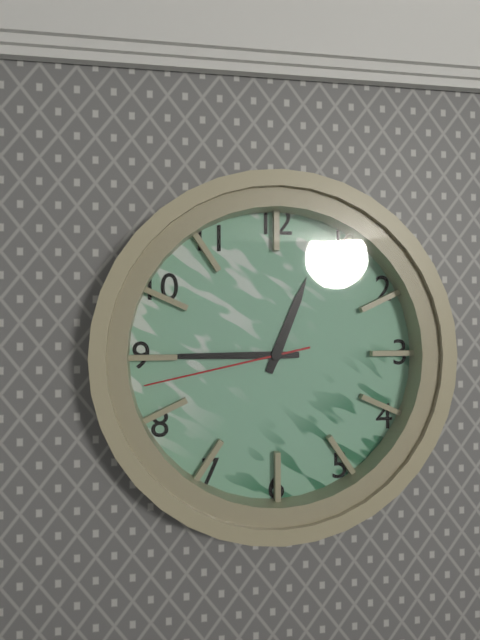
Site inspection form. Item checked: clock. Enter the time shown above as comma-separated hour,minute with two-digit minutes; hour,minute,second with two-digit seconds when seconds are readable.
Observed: 12,45,43
